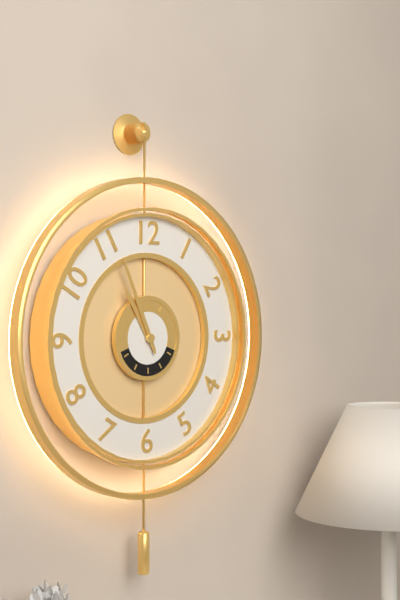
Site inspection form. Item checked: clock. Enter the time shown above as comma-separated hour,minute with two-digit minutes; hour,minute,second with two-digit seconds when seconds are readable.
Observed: 10,56
